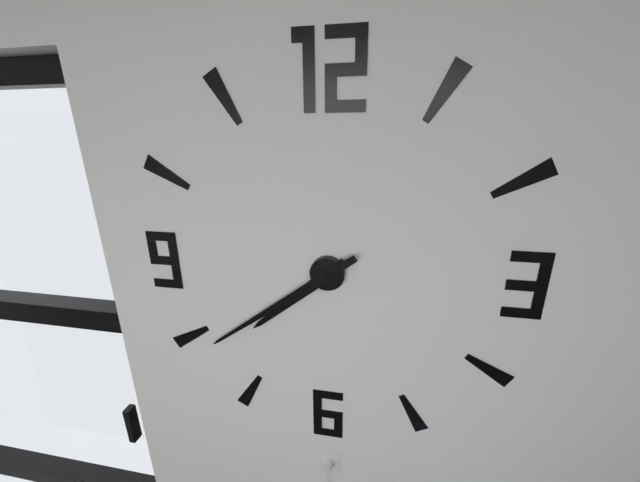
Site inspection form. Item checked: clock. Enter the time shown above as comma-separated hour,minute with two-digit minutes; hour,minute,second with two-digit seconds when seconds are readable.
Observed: 7,39
